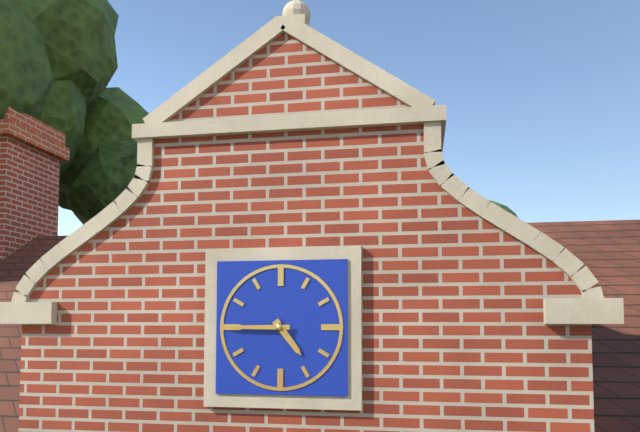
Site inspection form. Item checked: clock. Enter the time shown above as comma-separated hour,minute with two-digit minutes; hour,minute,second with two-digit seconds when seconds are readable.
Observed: 4,45
